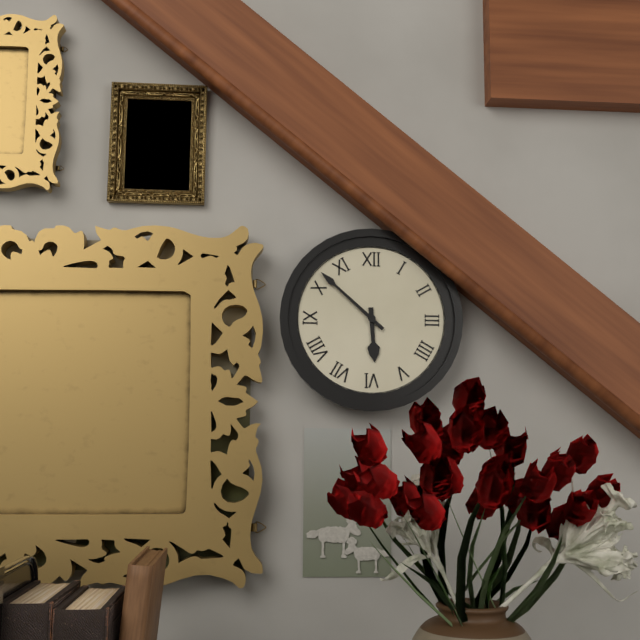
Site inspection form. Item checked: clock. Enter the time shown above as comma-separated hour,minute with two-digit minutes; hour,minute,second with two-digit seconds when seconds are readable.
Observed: 5,52
